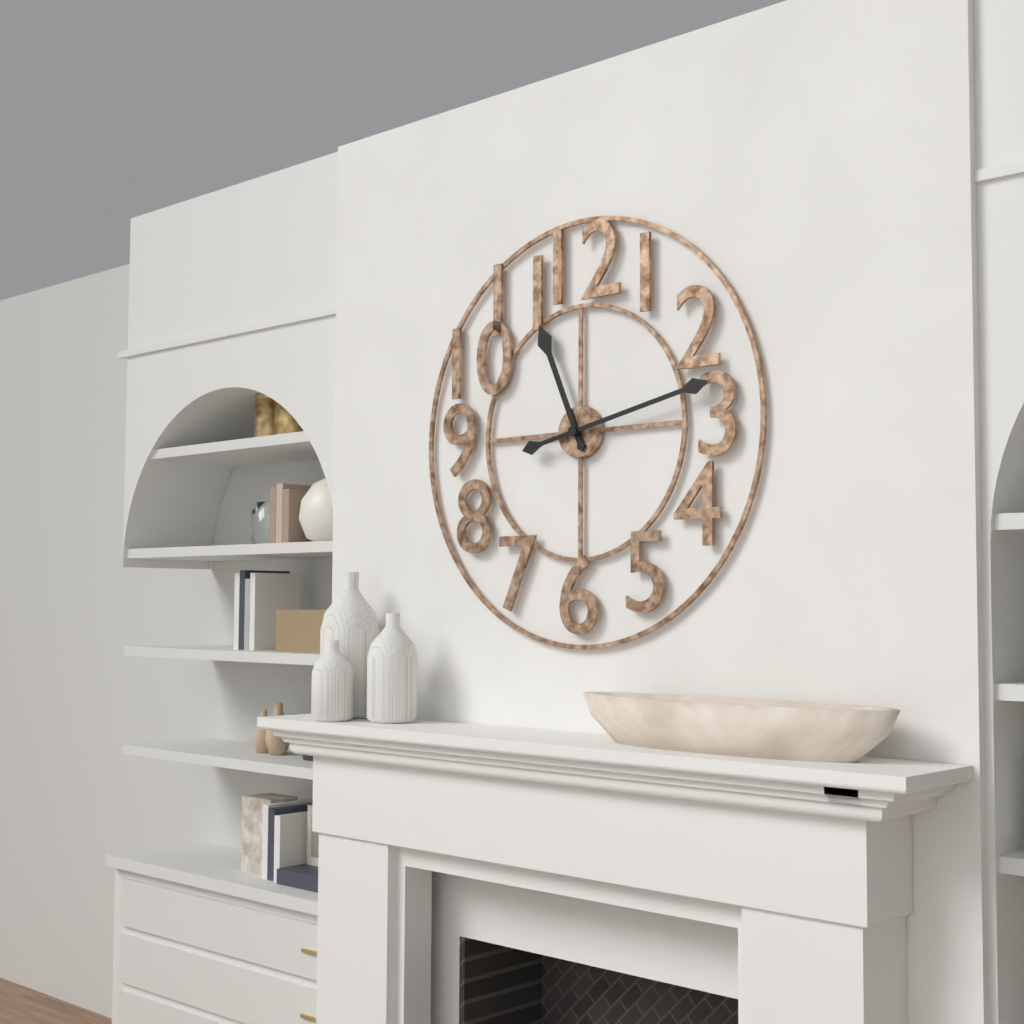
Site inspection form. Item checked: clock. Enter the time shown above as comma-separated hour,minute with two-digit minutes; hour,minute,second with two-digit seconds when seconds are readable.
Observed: 11,13
